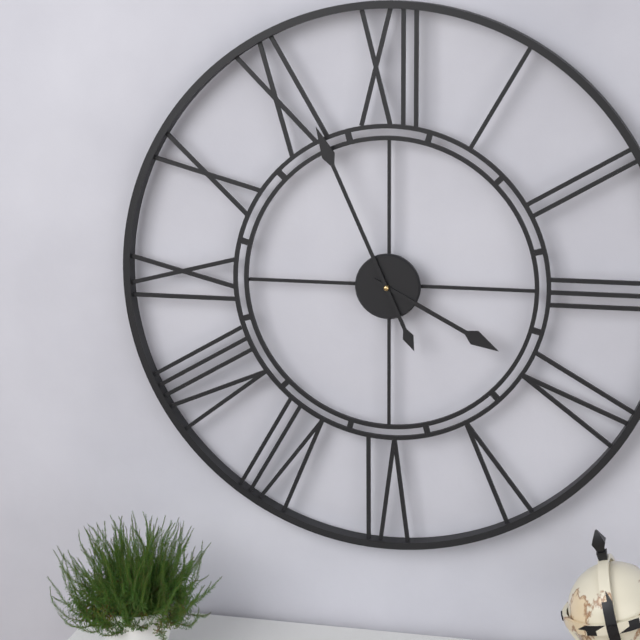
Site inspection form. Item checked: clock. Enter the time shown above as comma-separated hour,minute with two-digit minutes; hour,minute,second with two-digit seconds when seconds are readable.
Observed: 3,56
